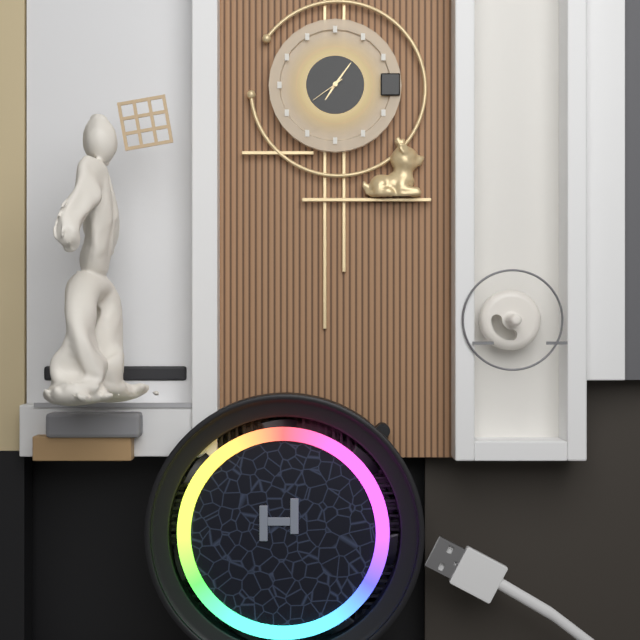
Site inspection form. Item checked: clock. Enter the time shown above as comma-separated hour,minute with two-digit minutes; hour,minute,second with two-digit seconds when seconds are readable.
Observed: 7,06
